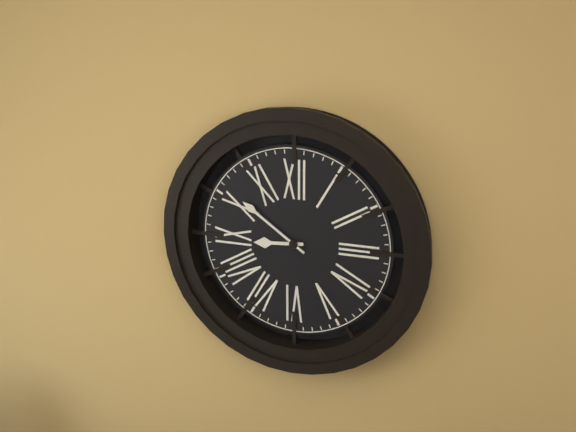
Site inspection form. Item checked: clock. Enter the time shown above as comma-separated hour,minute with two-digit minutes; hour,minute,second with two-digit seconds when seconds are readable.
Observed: 8,51
